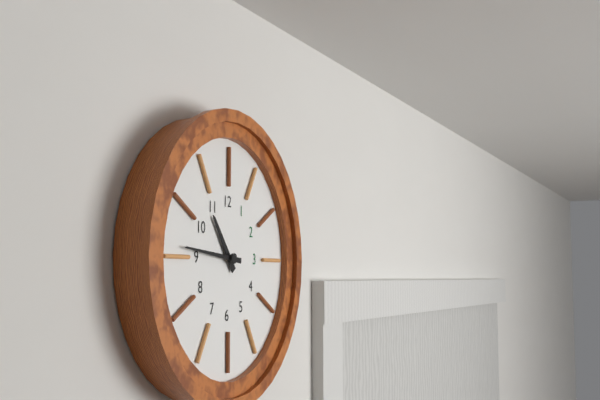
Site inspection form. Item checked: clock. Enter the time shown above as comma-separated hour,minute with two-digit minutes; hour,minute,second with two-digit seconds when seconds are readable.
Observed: 10,46
